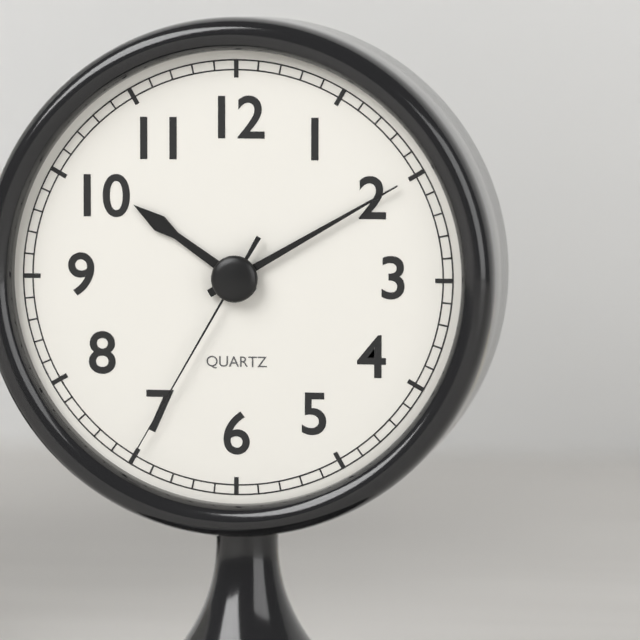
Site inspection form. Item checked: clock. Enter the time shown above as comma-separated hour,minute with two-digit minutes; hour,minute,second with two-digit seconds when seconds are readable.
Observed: 10,10,35
